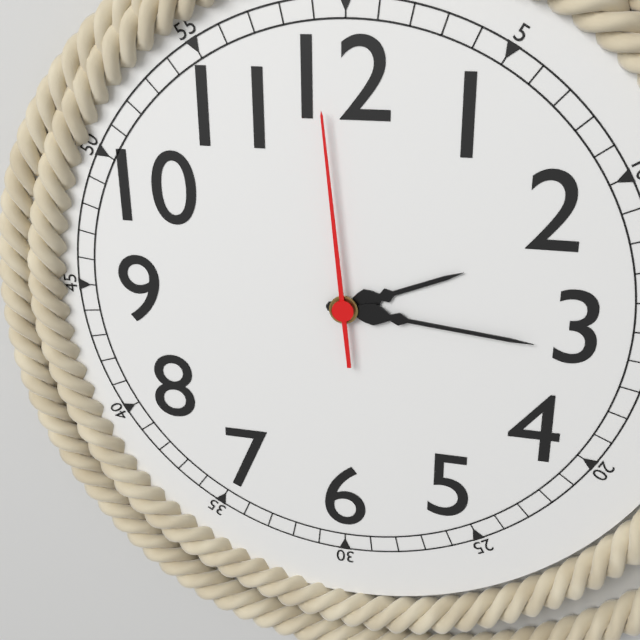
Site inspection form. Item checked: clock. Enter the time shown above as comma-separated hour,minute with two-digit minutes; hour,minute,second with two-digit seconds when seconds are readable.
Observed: 2,16,59
